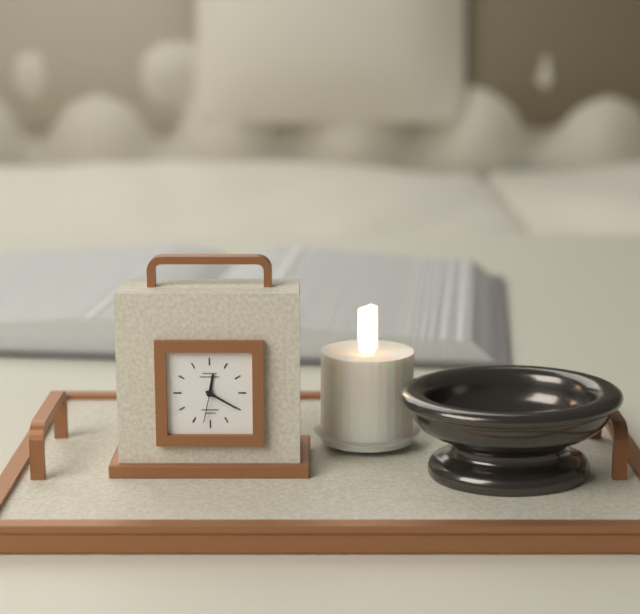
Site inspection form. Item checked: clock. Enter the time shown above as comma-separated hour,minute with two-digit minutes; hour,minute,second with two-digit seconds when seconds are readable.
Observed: 12,20
